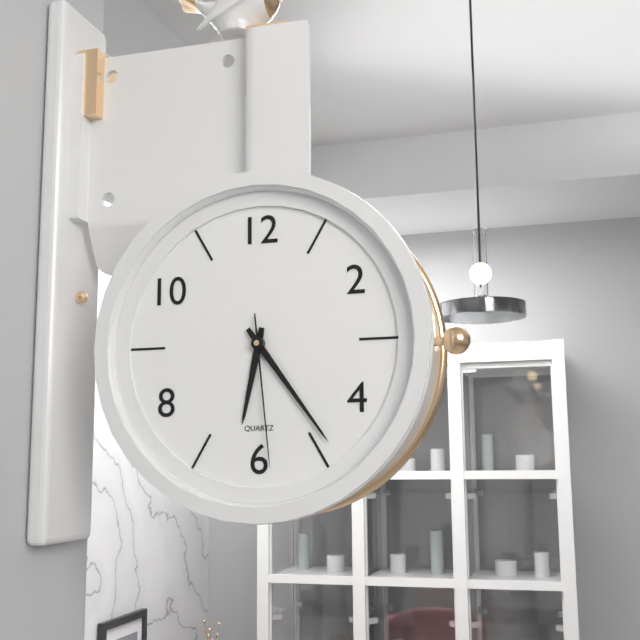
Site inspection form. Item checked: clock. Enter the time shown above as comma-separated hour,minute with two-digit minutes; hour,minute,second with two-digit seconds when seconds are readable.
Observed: 6,24,29
